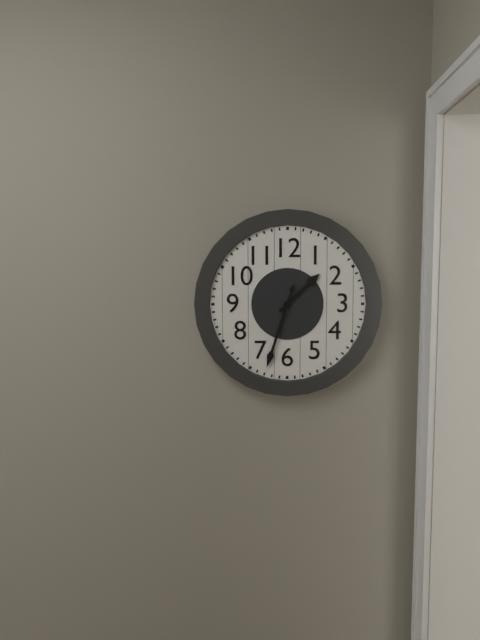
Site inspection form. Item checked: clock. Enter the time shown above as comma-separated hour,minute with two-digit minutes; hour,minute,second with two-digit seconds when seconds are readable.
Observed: 1,33
